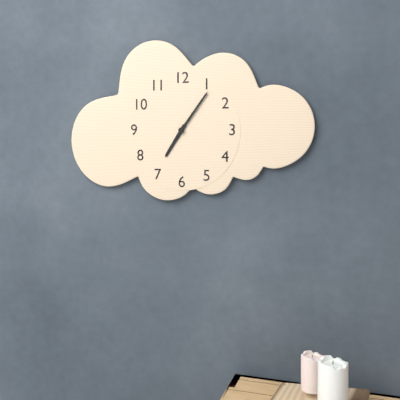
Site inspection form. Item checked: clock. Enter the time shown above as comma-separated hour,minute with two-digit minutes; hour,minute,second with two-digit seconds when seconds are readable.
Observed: 7,06
